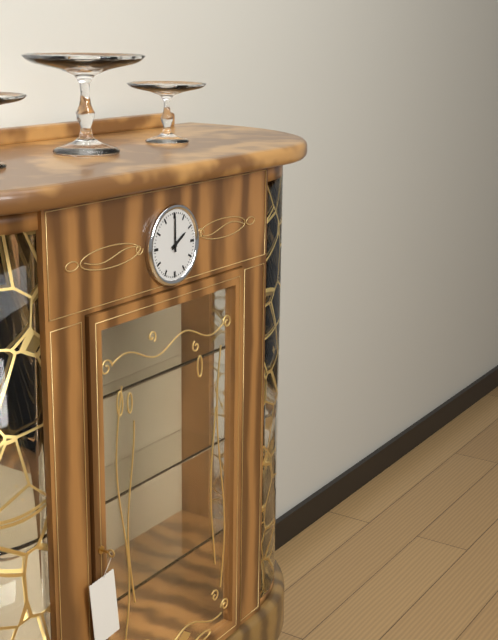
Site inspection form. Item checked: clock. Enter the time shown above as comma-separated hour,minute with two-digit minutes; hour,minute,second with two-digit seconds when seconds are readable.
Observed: 2,00
